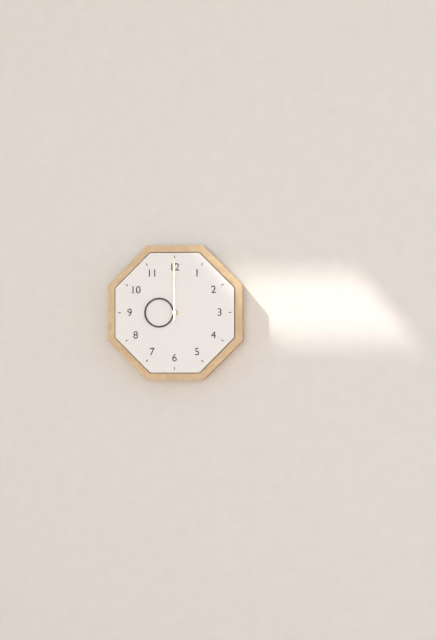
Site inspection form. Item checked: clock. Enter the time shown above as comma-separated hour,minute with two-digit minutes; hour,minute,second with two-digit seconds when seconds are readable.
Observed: 9,00
